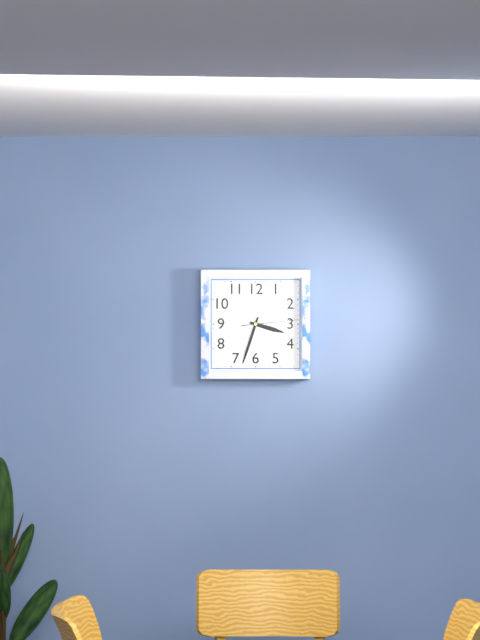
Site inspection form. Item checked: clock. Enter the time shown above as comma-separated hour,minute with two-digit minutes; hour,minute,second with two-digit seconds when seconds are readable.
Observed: 3,33,14
